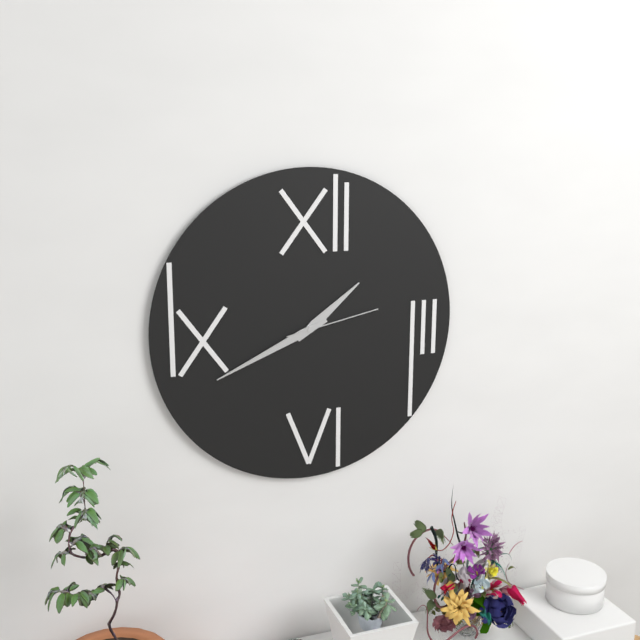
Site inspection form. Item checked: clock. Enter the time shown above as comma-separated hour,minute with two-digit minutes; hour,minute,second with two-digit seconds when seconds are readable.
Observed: 1,41,13
